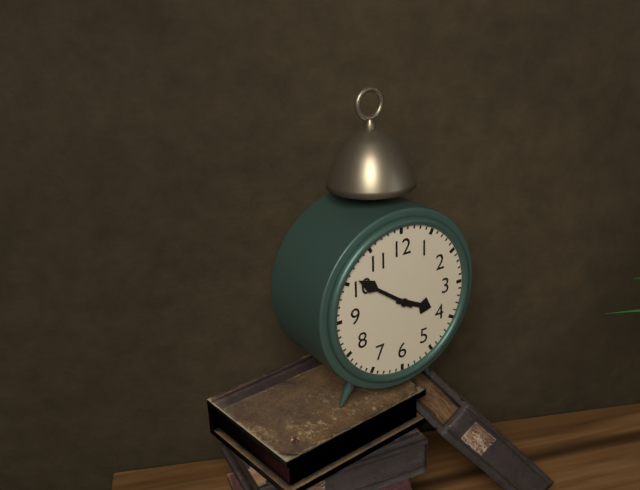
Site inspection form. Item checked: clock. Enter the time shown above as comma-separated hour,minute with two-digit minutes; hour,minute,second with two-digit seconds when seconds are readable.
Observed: 3,51
